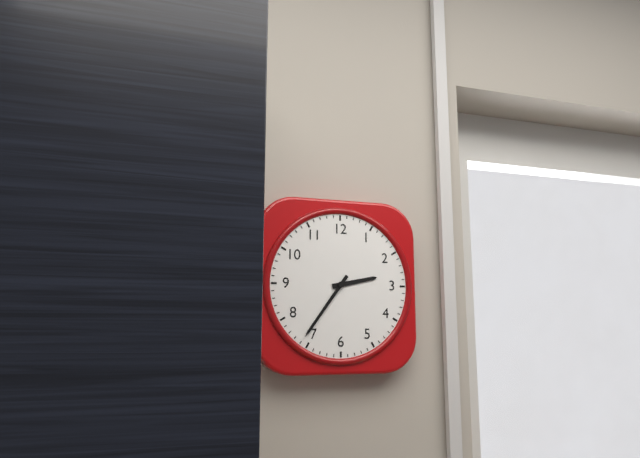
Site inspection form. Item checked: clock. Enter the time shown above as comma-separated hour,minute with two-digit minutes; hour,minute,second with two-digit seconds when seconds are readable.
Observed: 2,36
